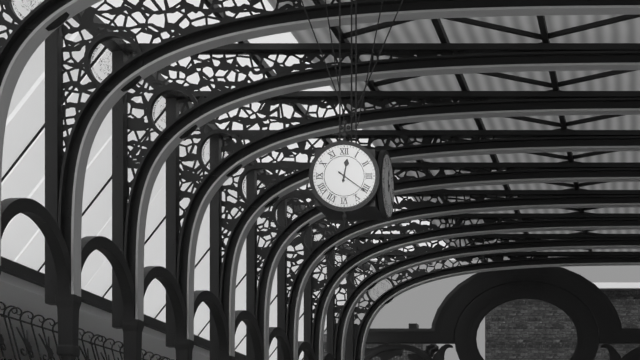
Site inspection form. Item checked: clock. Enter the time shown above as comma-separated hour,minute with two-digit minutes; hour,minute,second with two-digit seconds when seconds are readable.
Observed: 12,21
